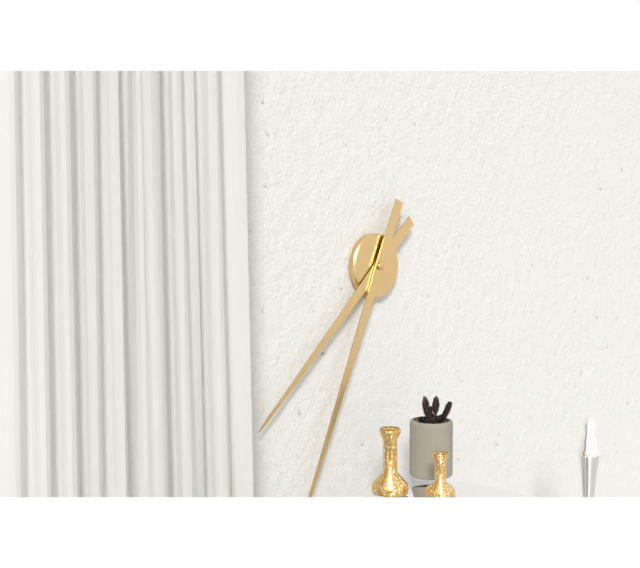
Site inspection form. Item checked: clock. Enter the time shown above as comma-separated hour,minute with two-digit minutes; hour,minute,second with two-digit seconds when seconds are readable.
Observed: 7,34
